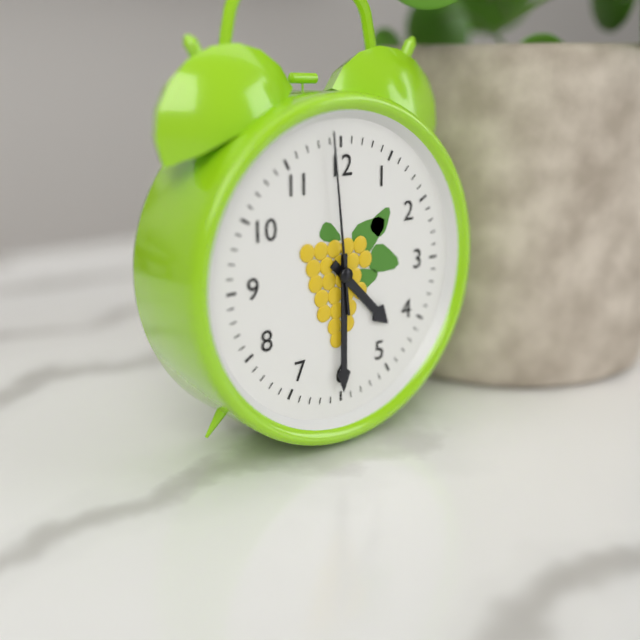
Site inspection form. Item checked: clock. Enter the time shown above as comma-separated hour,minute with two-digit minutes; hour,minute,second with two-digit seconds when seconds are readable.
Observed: 4,30,59
